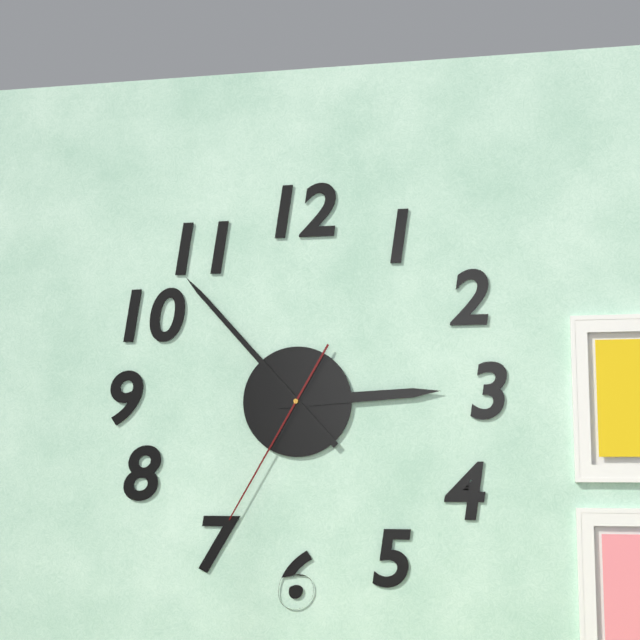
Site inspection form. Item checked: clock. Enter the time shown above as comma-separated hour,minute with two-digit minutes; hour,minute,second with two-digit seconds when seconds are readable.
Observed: 2,53,35
